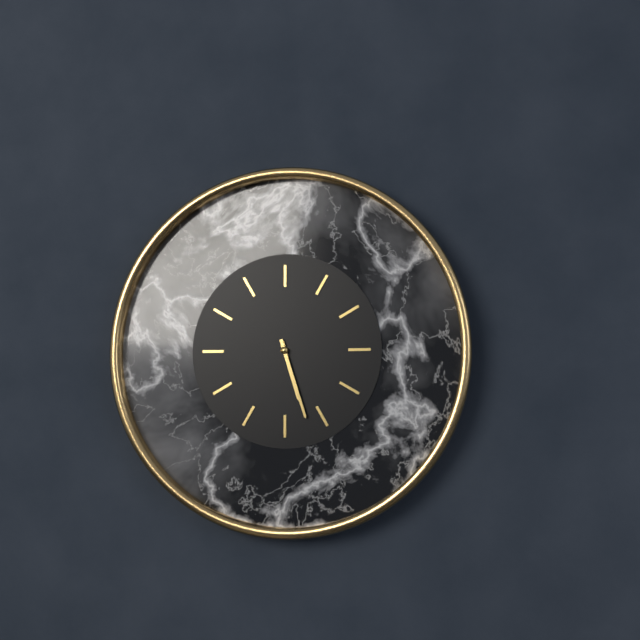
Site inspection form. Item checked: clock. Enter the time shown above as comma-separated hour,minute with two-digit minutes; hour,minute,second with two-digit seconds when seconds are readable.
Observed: 5,27
